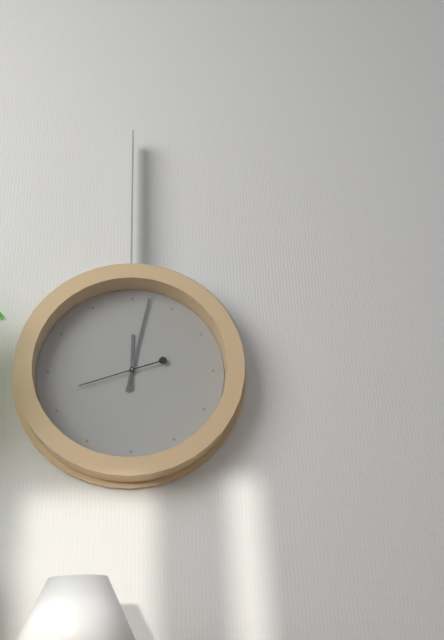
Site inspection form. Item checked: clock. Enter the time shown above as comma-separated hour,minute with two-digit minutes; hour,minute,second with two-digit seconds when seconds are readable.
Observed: 12,02,42
